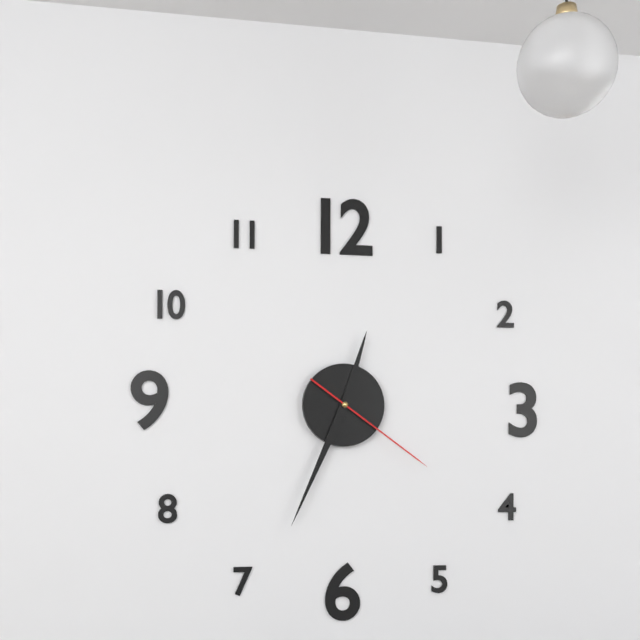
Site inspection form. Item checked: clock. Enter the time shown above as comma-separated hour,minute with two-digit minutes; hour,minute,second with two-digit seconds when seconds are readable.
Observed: 12,34,21
